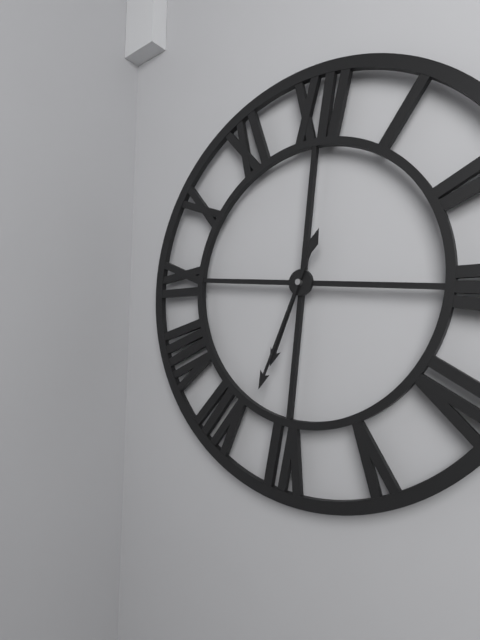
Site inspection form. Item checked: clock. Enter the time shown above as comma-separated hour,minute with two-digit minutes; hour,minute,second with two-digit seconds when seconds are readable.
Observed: 6,33
